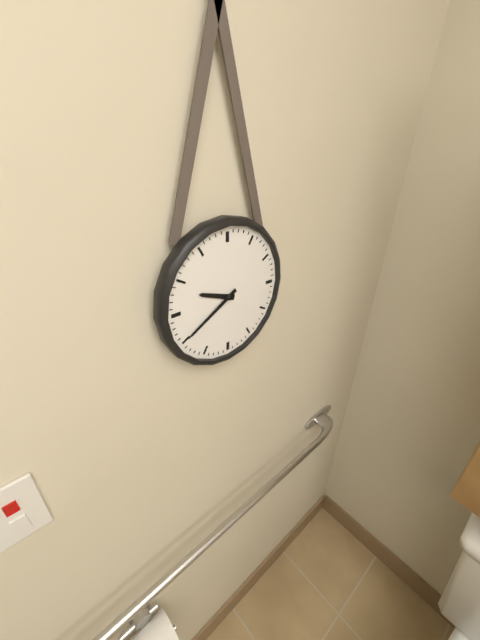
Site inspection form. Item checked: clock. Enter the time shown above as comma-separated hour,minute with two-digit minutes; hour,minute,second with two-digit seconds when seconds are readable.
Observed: 9,40
